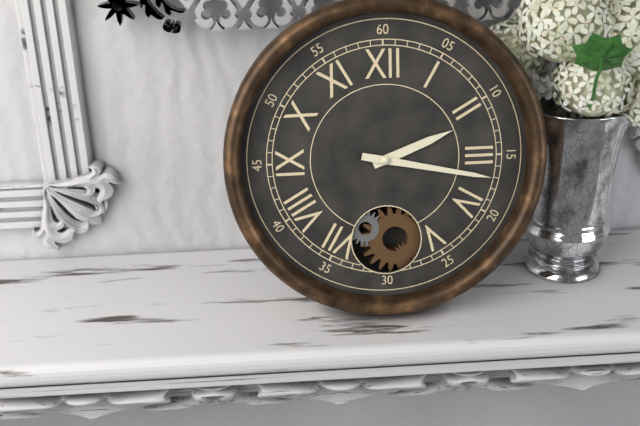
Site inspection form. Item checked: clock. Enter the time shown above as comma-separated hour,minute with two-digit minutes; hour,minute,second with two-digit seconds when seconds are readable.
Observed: 2,17
